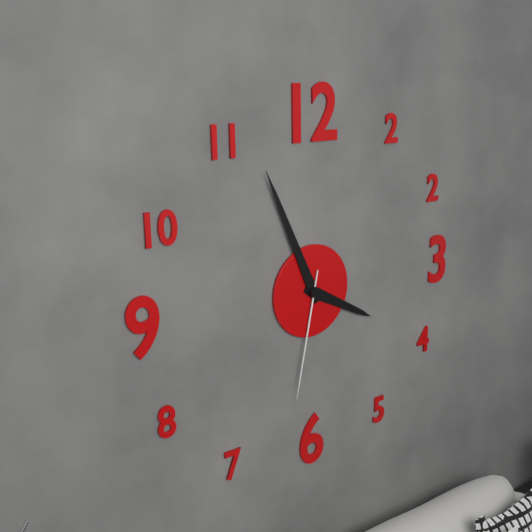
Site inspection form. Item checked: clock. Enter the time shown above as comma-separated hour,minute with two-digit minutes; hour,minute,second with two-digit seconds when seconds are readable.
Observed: 3,56,32
